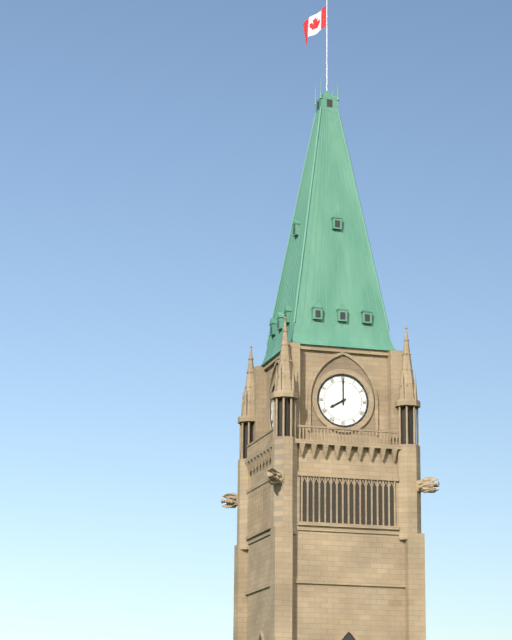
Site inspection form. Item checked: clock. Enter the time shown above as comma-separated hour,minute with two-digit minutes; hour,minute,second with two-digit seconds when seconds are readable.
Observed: 8,00
